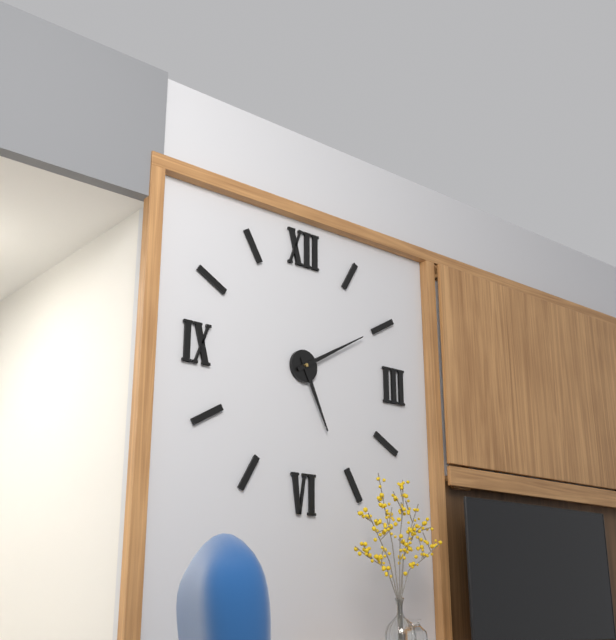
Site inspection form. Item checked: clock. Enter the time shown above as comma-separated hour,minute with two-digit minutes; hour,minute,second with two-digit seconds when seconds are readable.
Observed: 5,10
